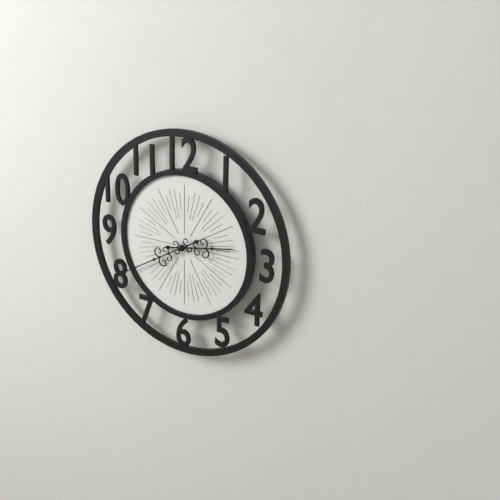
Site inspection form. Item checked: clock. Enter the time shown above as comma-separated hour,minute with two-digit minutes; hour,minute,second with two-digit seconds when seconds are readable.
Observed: 2,40
